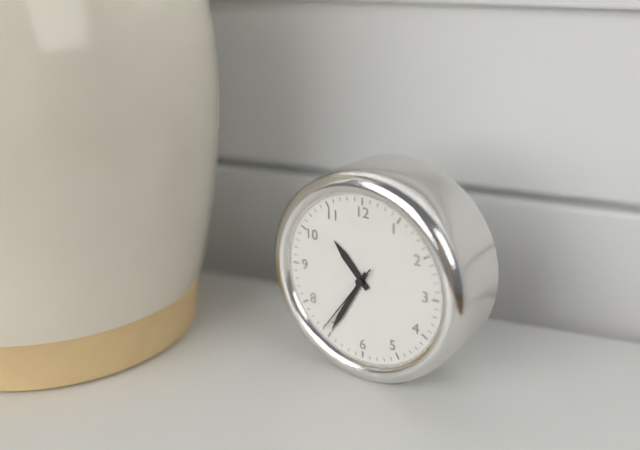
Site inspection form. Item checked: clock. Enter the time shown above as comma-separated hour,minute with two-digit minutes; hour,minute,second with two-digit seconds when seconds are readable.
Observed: 10,35,36
